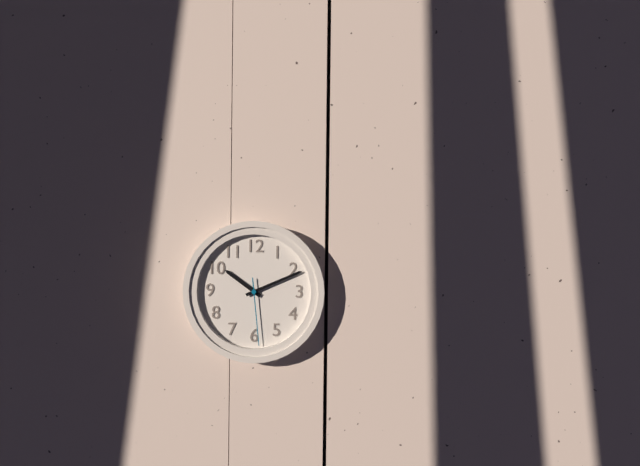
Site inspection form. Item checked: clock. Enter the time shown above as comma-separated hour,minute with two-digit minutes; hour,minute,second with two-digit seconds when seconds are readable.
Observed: 10,11,29
